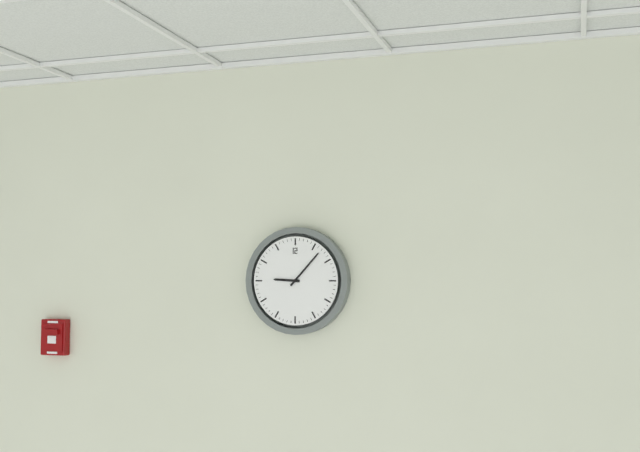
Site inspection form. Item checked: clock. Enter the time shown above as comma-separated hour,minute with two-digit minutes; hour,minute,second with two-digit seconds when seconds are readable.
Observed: 9,07
